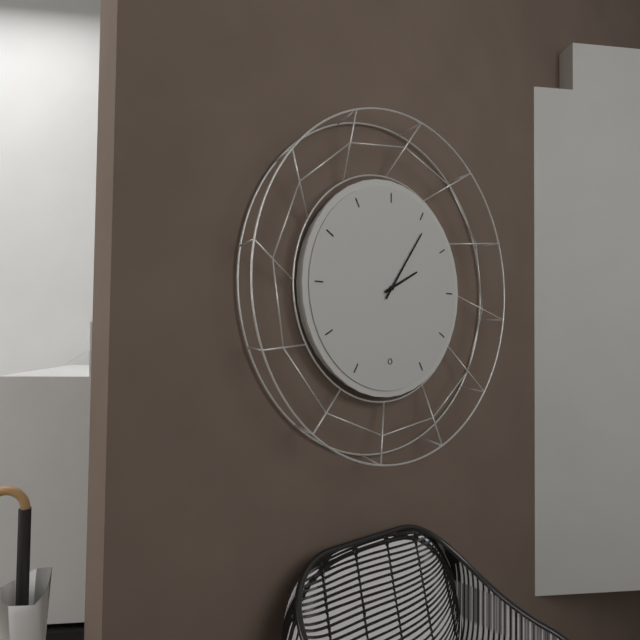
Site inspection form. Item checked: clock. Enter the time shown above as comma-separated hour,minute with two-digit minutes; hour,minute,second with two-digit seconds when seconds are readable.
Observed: 2,06
